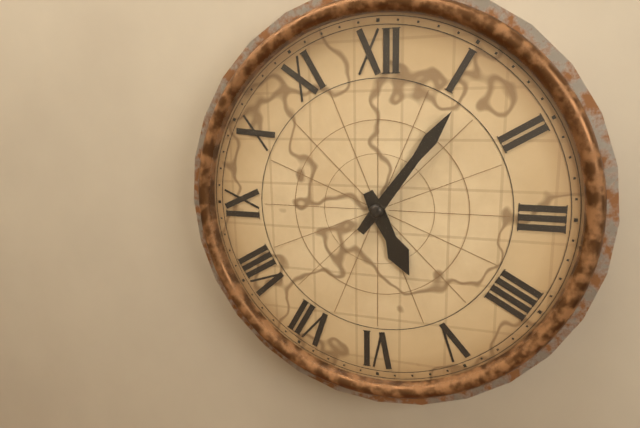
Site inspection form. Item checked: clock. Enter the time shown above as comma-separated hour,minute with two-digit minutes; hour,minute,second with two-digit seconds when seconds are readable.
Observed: 5,06
